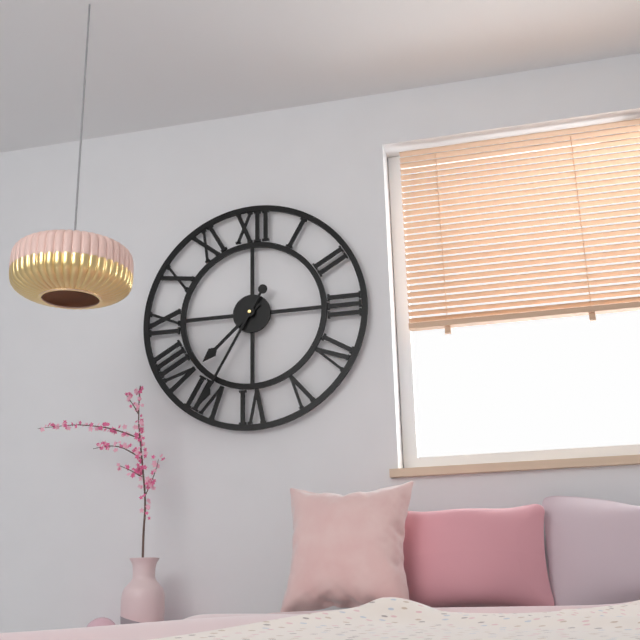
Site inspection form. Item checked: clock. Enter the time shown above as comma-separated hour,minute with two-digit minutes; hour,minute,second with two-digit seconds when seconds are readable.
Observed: 7,35
